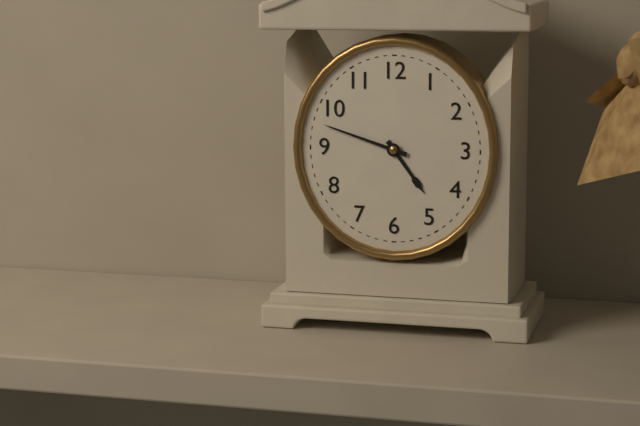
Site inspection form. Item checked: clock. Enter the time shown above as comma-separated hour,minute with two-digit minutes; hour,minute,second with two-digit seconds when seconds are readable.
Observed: 4,48
